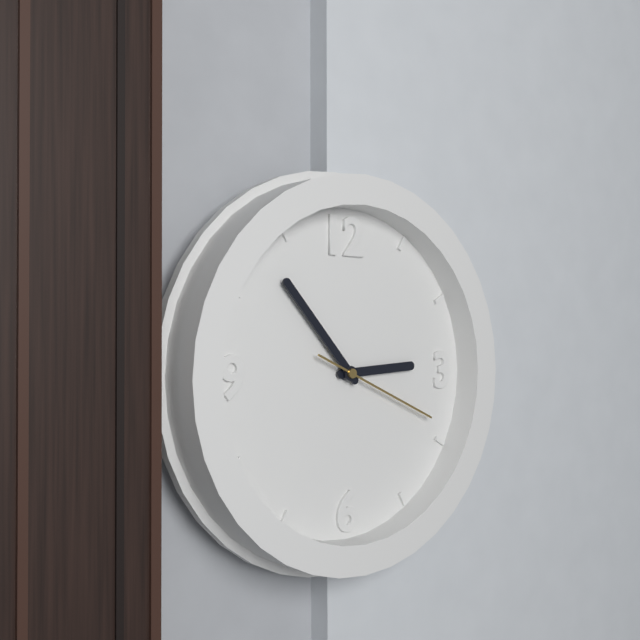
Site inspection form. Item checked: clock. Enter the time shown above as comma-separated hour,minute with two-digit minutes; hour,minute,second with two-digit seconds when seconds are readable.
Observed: 2,53,19
